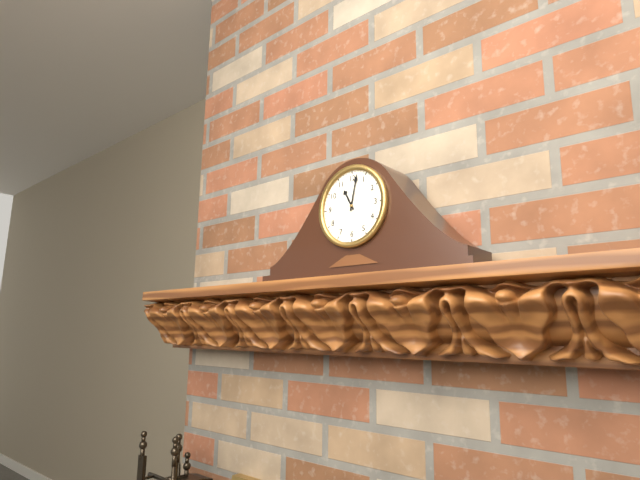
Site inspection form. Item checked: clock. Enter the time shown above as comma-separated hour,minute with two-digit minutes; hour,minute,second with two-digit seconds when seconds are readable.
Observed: 11,02
